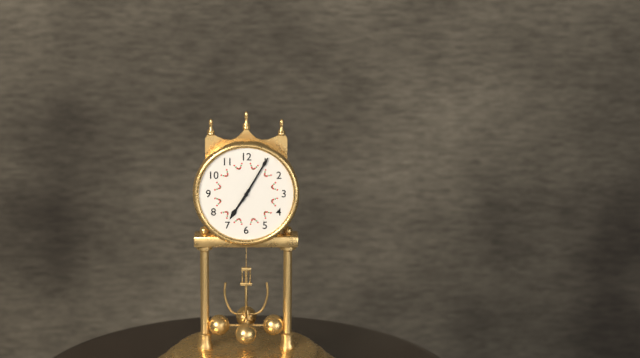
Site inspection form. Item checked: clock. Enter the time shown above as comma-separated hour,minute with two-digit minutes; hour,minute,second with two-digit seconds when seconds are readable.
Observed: 7,05
